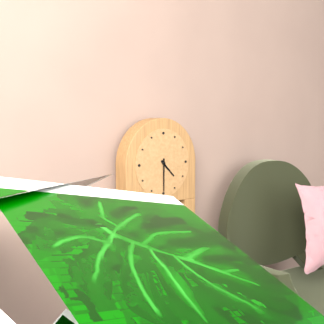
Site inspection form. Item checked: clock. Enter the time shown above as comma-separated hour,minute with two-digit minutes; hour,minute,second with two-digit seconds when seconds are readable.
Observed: 4,30
